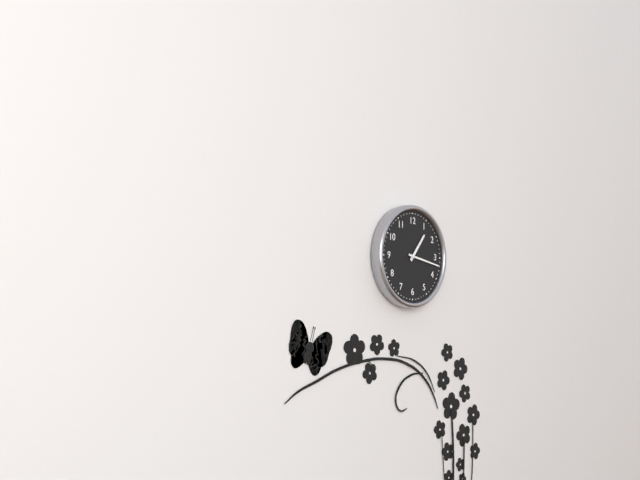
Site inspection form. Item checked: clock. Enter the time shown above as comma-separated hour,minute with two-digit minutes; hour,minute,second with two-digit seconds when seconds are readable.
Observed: 1,17
